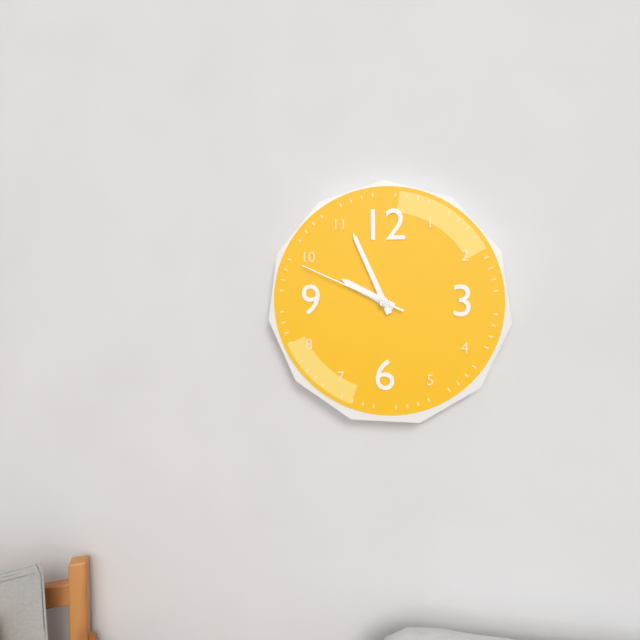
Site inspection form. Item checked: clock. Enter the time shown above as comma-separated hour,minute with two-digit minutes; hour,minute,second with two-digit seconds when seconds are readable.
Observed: 9,56,49
